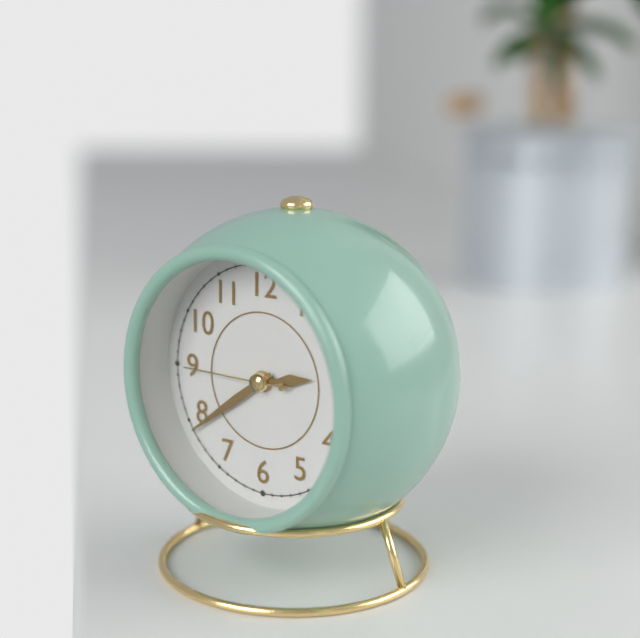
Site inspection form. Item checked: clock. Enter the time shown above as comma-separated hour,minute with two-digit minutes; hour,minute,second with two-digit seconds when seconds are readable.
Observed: 2,39,45
